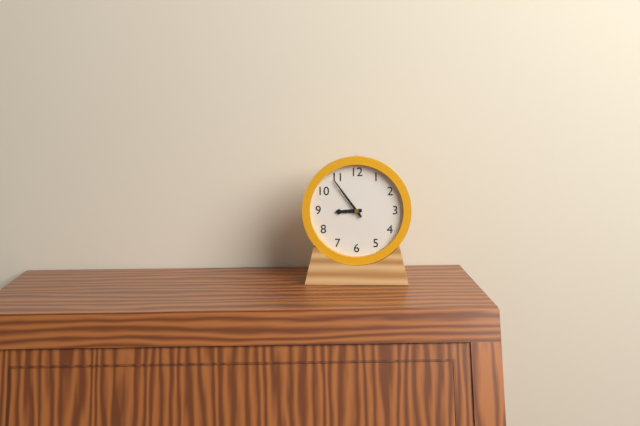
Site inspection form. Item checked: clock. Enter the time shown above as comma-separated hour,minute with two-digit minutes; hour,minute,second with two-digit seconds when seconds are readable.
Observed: 8,54
